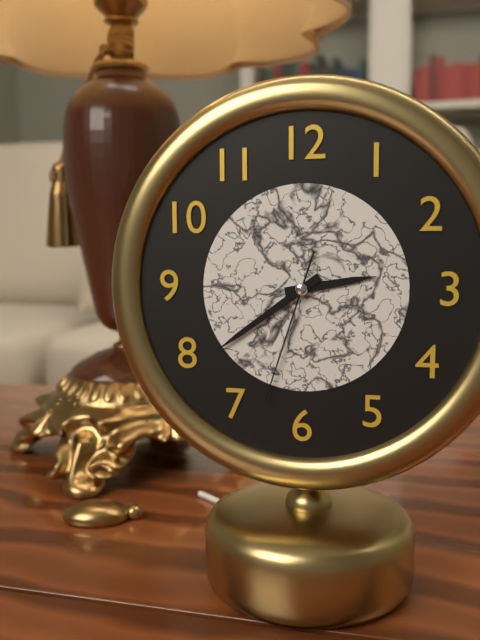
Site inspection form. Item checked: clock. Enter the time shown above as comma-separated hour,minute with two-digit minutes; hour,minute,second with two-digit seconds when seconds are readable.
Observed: 2,39,33
